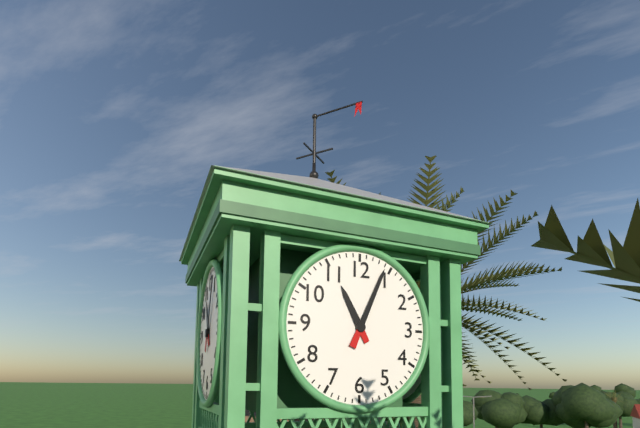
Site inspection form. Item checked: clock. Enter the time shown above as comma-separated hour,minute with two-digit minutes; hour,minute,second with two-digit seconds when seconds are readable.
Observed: 11,04
